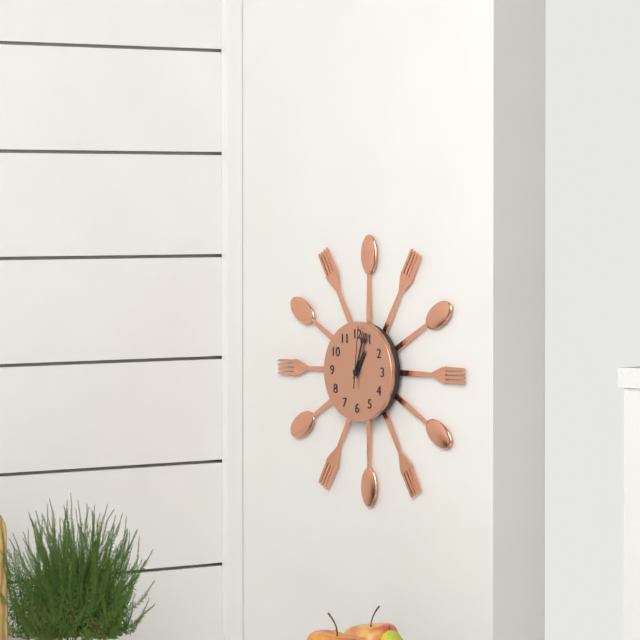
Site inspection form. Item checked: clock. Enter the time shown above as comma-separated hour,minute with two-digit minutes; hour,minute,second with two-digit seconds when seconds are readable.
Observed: 1,03,01
